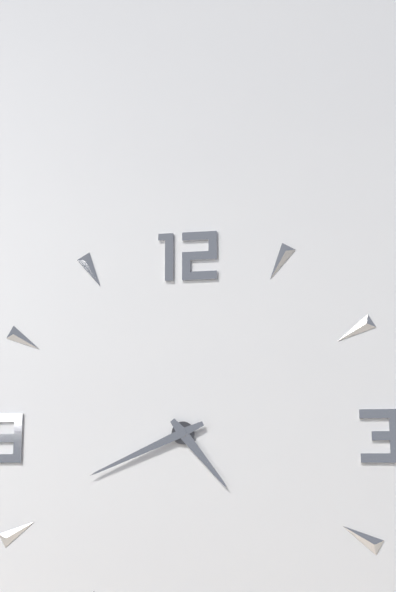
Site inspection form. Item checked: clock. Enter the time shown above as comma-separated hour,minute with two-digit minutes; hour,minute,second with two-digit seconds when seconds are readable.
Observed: 4,41
